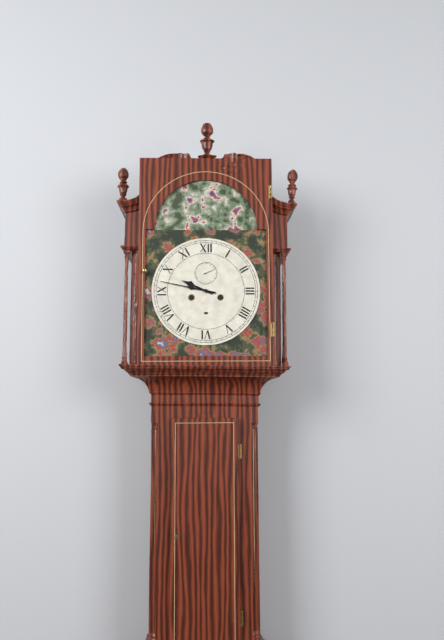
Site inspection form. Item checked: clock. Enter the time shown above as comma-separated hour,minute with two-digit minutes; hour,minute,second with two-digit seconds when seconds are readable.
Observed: 9,47
